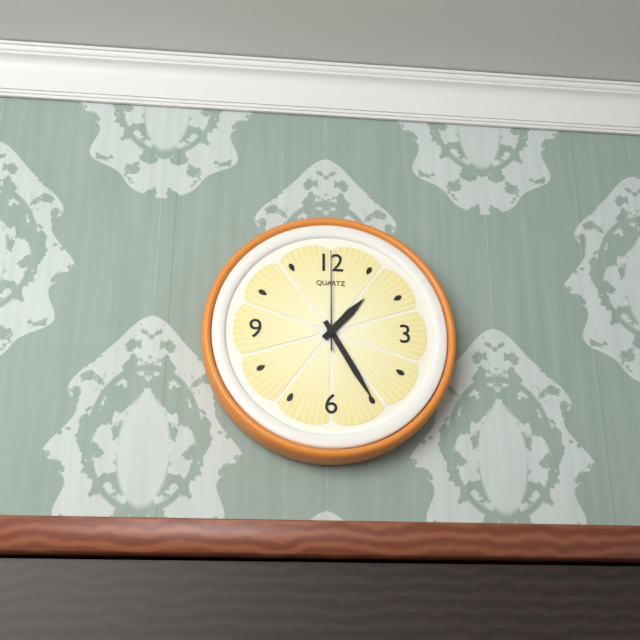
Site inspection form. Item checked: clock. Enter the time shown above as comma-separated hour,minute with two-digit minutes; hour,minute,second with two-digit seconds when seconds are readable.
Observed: 1,25,00
